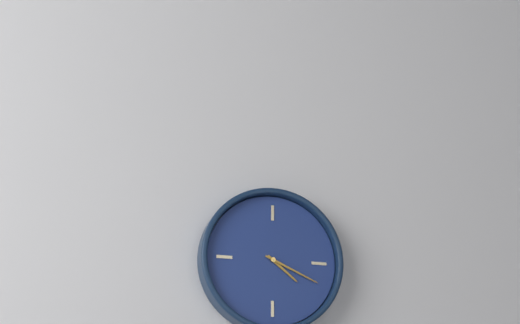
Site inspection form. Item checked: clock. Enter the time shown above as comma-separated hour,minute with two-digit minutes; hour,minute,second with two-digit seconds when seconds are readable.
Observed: 4,19
